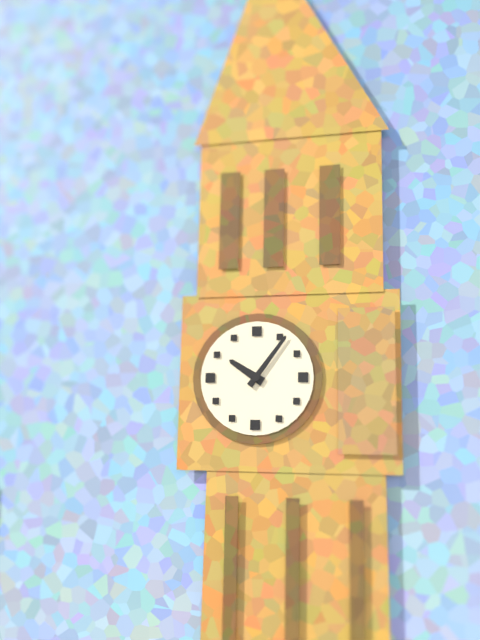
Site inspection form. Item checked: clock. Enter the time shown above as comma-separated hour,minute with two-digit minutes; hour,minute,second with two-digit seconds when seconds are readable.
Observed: 10,06
